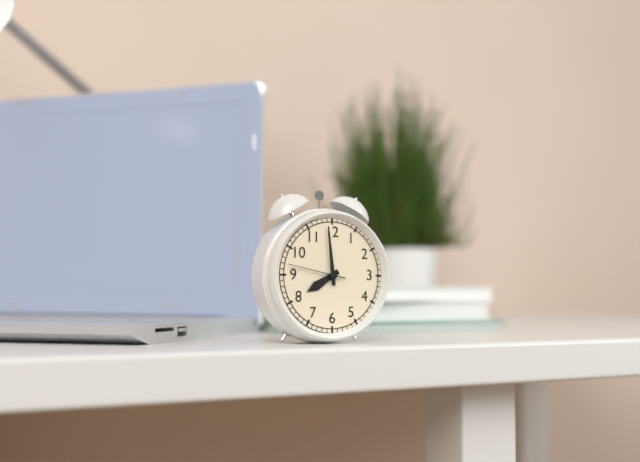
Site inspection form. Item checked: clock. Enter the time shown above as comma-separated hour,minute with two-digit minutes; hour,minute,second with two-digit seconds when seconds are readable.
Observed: 7,59,47
